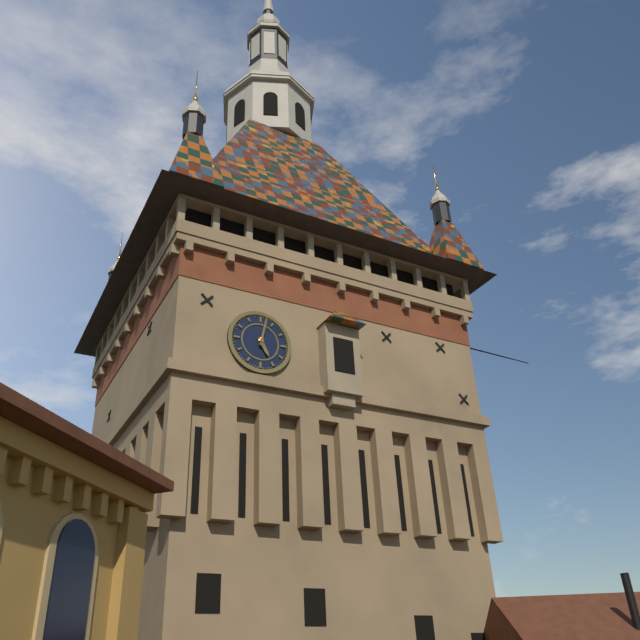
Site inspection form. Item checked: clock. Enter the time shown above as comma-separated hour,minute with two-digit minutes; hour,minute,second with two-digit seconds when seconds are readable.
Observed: 5,02
